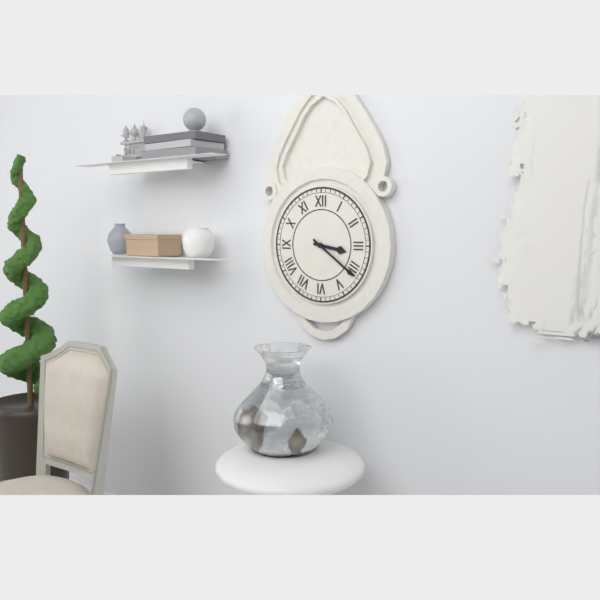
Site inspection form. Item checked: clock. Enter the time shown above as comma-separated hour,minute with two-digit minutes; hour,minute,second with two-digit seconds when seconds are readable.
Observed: 3,21
